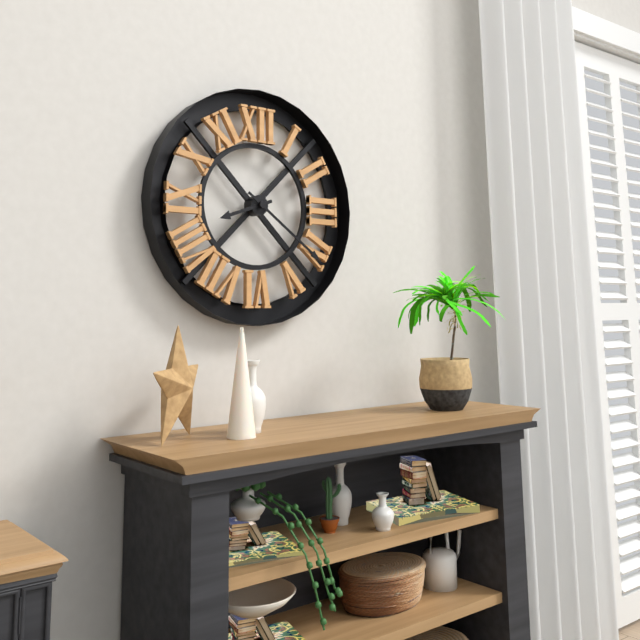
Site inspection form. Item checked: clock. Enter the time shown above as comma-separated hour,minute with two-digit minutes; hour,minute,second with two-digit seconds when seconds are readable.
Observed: 8,21
